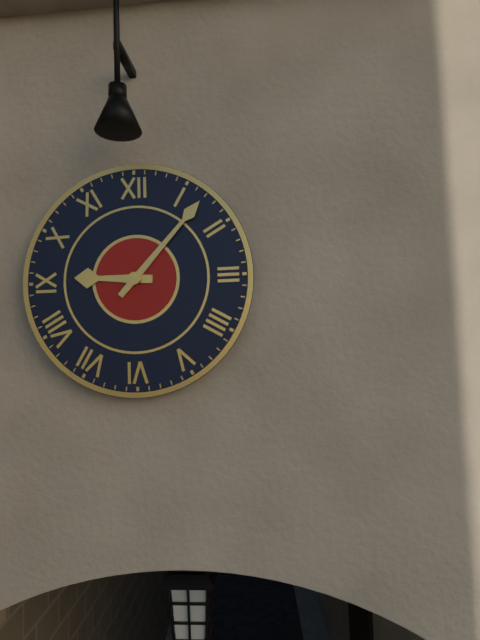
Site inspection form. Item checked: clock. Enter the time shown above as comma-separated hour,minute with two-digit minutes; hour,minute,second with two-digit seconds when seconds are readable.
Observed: 9,07
